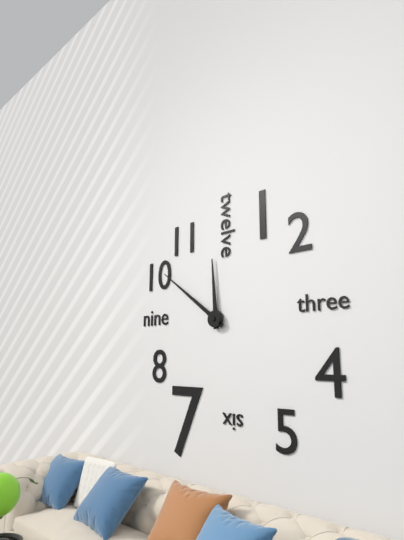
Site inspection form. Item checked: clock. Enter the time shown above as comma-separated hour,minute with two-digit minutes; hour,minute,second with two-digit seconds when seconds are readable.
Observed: 11,51
